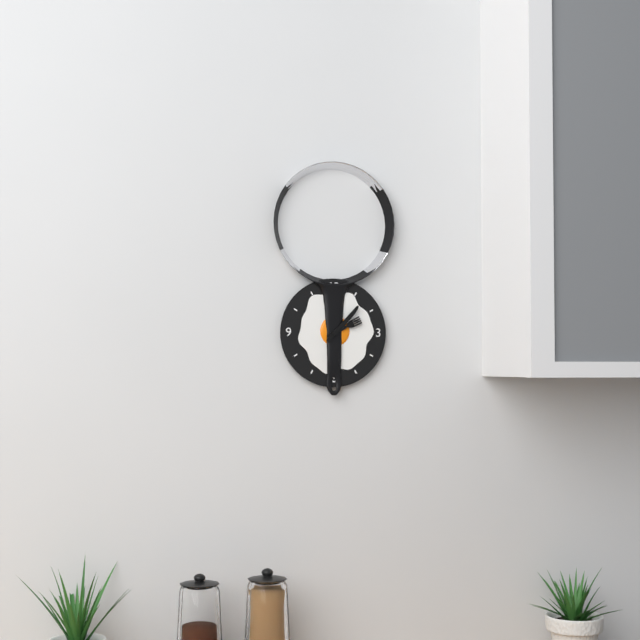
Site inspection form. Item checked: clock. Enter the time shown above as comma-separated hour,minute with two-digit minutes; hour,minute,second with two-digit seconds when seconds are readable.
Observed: 2,07
